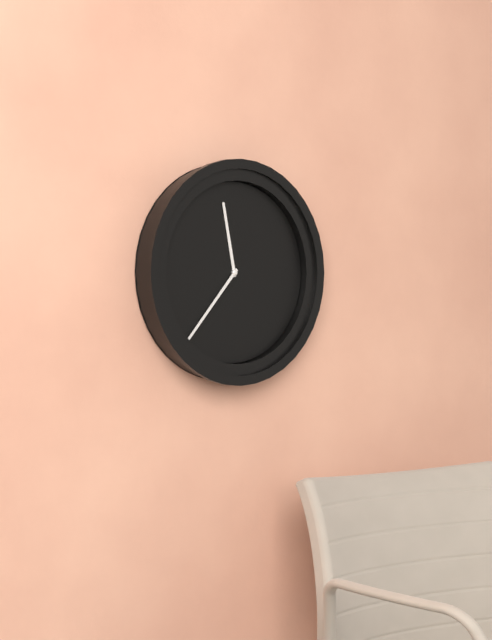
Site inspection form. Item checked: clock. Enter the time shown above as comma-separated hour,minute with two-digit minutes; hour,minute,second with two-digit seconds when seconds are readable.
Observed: 11,37
